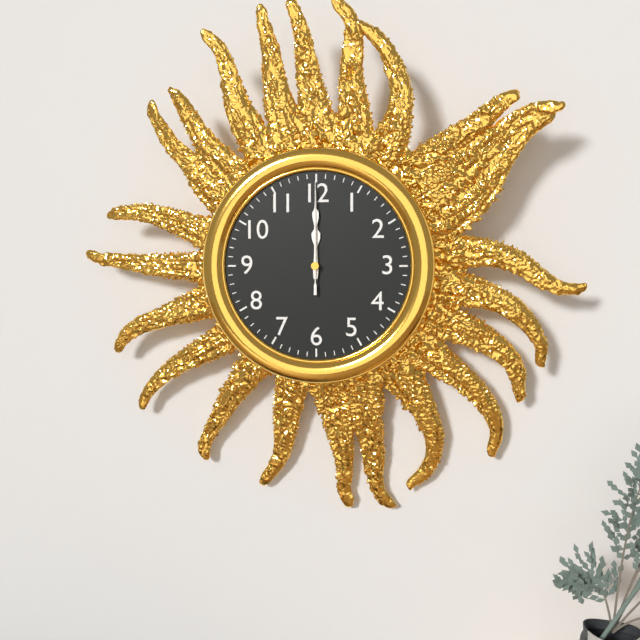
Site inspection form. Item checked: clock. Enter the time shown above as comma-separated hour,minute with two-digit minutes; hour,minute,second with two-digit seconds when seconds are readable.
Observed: 12,00,00
